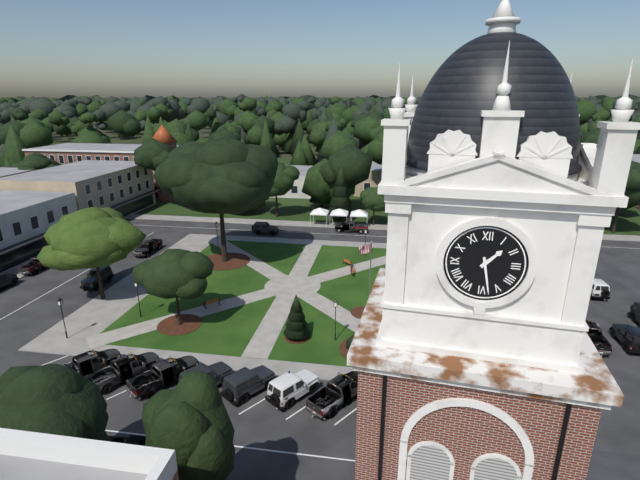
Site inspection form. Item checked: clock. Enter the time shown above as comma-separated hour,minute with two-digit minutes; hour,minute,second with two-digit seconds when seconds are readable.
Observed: 1,28
